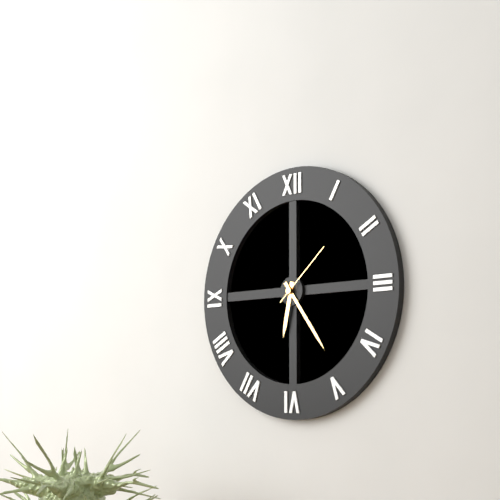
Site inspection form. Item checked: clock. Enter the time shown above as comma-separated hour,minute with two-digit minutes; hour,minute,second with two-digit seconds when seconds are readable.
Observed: 6,24,08
